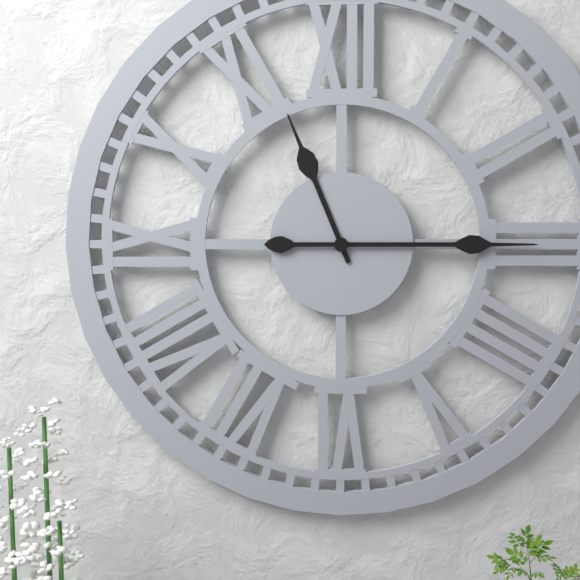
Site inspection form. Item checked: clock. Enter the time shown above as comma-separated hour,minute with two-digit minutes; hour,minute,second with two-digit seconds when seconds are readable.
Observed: 11,15
